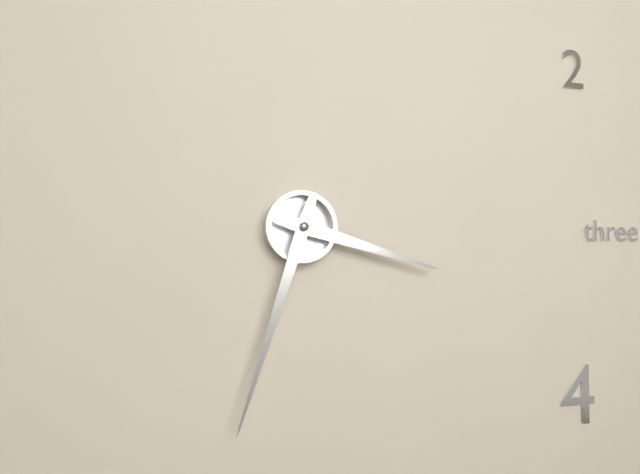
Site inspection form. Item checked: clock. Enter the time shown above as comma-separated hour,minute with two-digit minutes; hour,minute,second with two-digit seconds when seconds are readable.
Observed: 3,33
